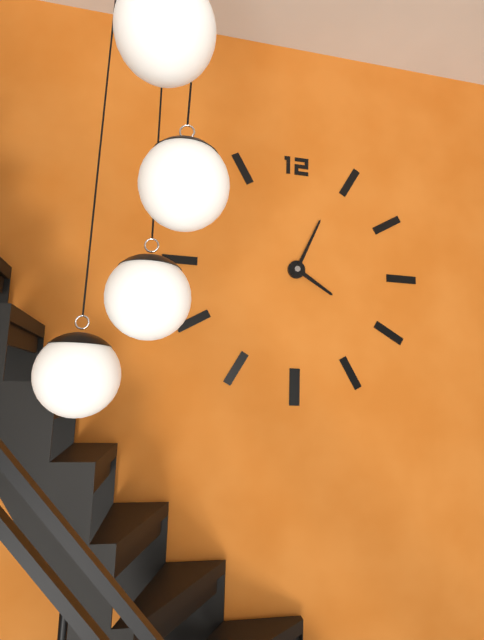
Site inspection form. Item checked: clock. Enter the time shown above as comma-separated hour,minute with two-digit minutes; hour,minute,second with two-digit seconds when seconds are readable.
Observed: 4,04
